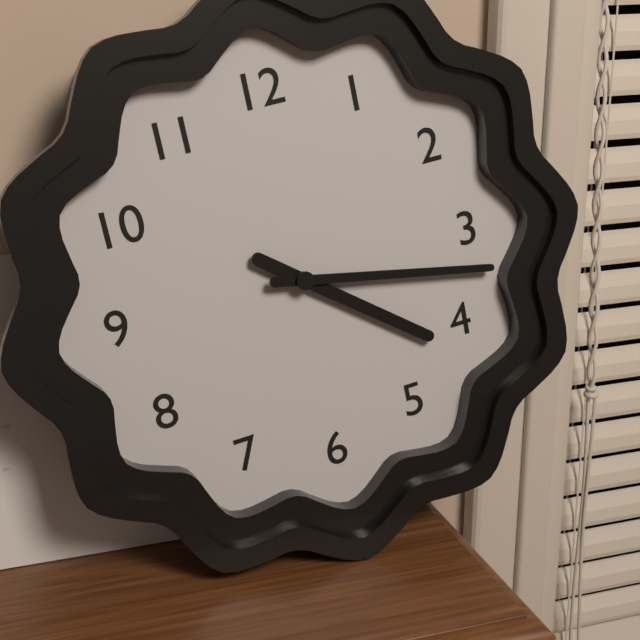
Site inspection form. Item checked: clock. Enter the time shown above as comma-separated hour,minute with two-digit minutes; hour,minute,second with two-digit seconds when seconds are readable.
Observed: 4,17
